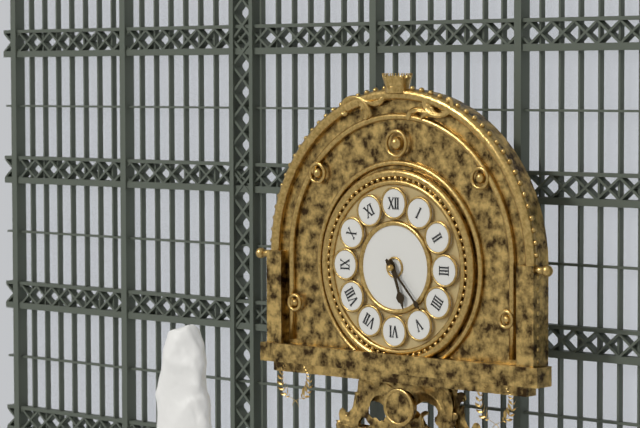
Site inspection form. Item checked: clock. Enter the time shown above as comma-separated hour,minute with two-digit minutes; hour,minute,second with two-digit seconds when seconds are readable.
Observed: 5,23
